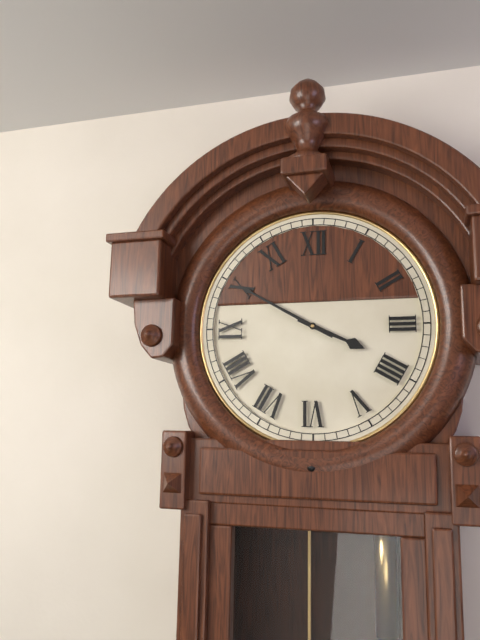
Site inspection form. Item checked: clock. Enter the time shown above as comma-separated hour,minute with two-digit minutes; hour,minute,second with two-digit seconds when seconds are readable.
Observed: 3,50
